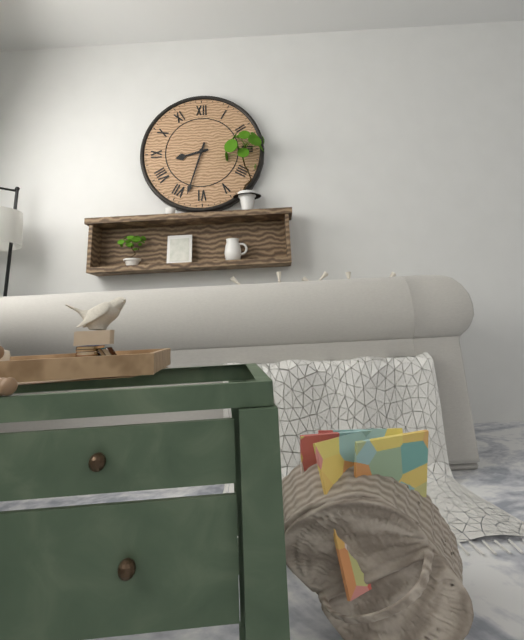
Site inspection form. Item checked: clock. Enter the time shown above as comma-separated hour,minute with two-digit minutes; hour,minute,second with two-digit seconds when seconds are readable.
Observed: 8,33
